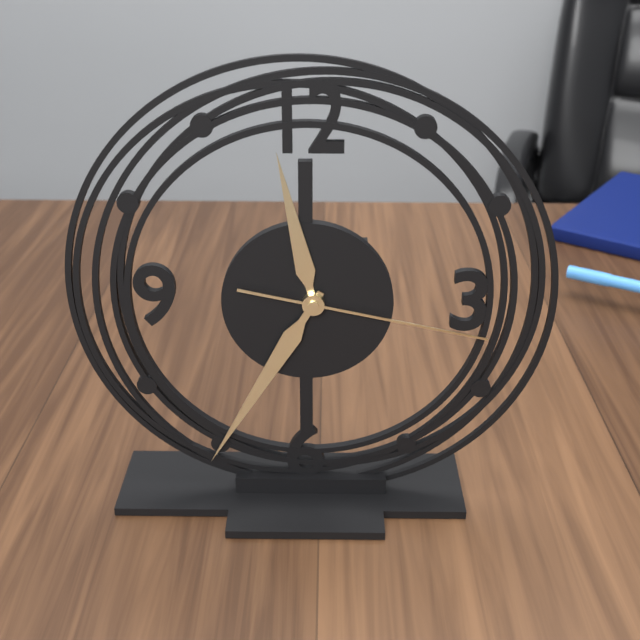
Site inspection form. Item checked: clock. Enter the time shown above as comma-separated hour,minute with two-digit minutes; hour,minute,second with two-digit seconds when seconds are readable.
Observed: 11,35,17
